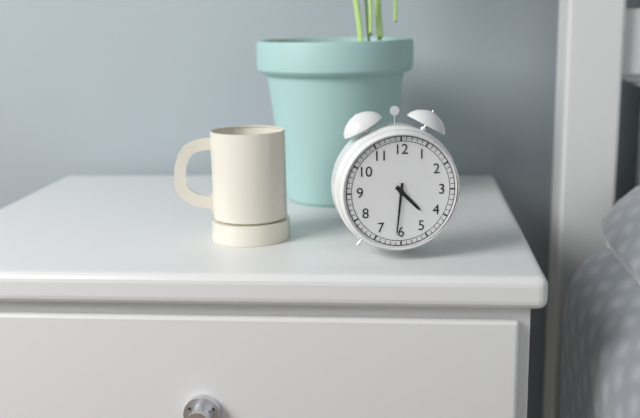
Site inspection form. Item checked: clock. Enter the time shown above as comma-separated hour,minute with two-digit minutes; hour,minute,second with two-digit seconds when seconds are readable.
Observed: 4,31
